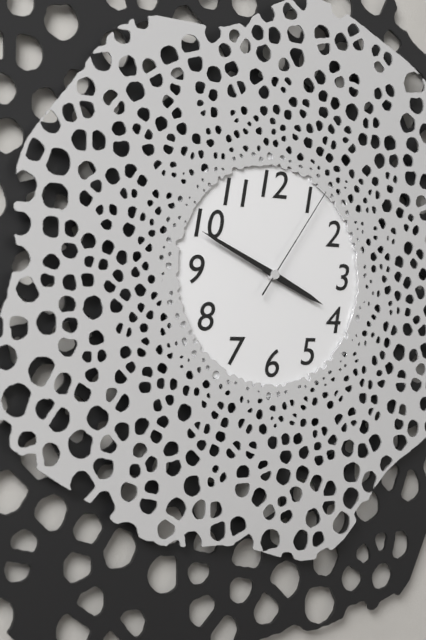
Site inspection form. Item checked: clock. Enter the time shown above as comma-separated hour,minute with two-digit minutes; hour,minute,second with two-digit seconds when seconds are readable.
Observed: 3,49,06
